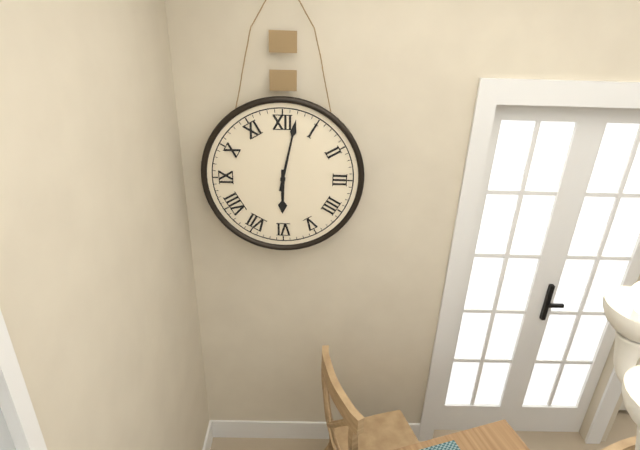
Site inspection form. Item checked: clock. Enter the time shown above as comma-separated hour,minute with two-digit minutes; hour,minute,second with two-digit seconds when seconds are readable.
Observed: 6,02
